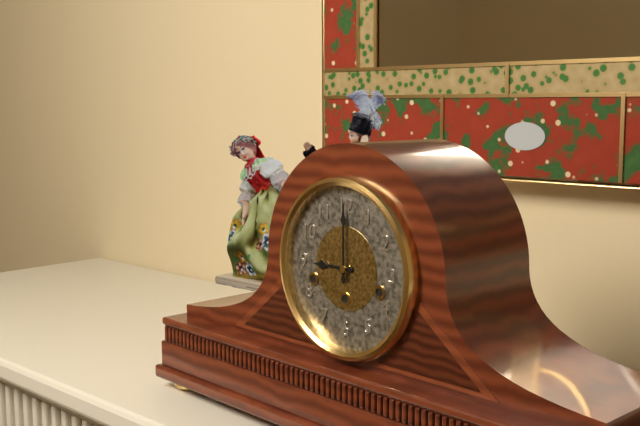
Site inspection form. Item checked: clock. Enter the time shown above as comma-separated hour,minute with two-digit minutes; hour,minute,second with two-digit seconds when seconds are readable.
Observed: 9,00
